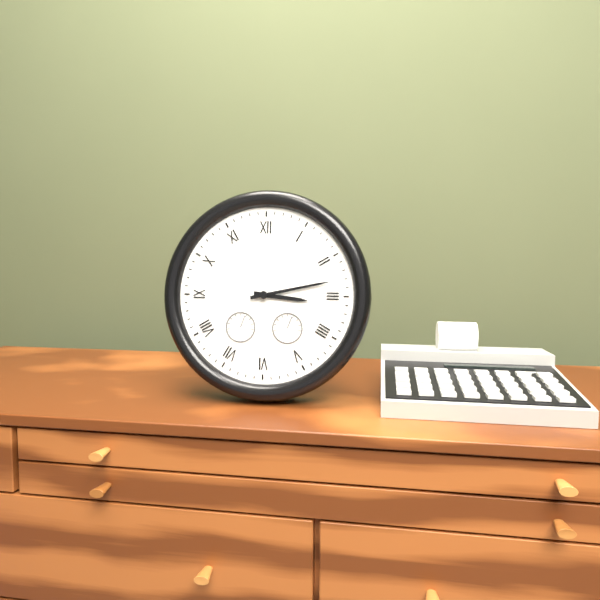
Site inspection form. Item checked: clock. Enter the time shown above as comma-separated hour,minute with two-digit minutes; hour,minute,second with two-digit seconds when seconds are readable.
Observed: 3,13
